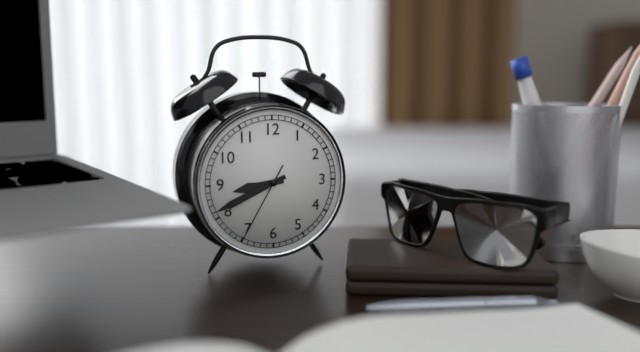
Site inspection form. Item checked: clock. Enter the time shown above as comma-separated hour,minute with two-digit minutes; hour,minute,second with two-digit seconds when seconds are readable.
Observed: 8,41,35
